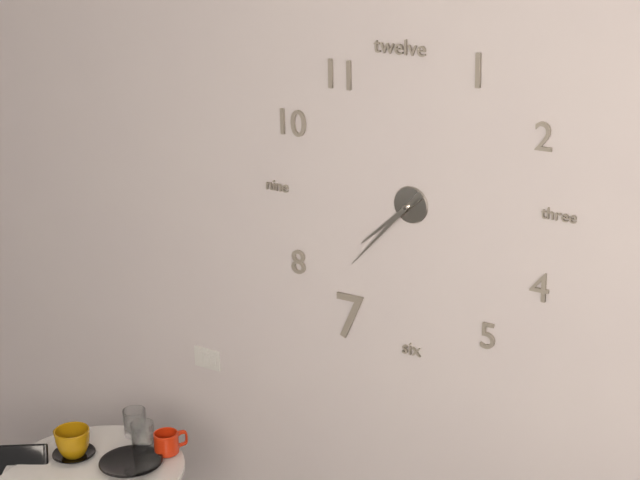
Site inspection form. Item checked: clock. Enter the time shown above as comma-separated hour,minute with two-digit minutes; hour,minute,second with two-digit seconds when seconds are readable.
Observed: 7,37
